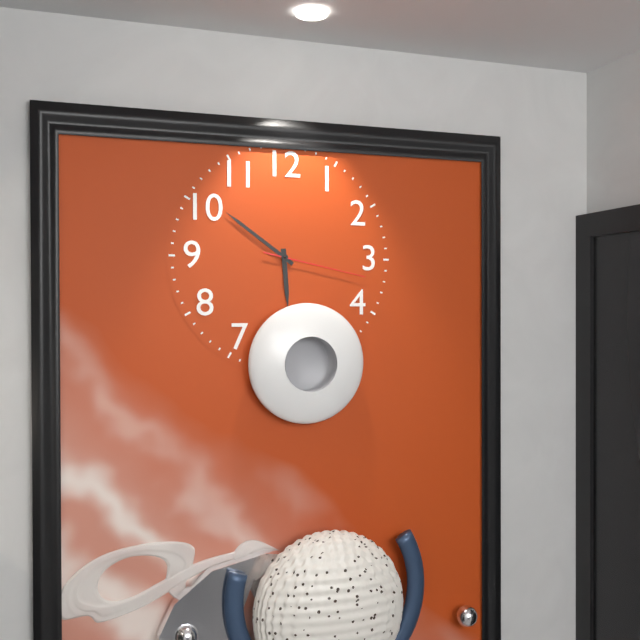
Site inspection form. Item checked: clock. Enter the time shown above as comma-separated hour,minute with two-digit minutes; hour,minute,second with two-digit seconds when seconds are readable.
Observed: 5,51,17
